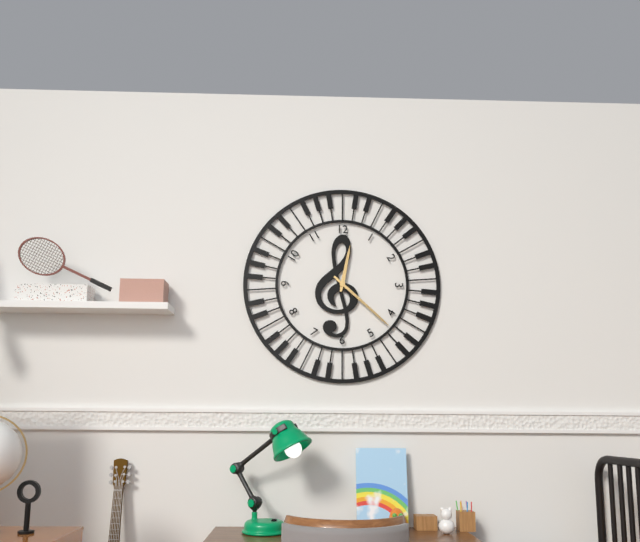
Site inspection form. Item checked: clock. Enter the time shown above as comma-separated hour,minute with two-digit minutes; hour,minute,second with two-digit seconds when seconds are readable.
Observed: 12,22
